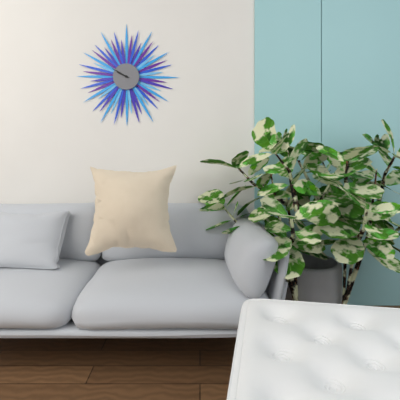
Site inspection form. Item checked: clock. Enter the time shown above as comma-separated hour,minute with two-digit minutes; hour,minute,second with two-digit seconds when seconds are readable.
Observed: 9,50
